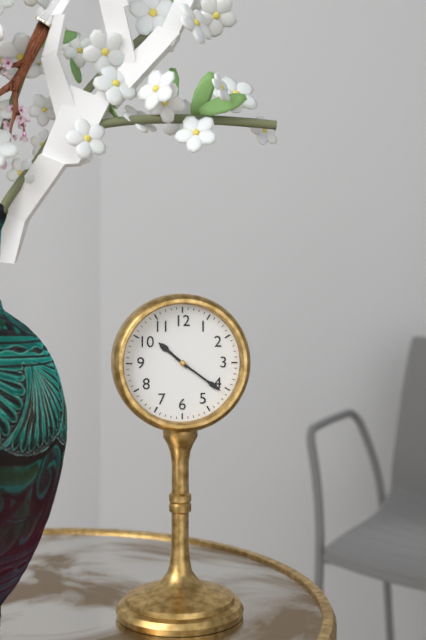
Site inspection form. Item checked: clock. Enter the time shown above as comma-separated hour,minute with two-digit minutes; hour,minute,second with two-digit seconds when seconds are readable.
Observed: 10,21
